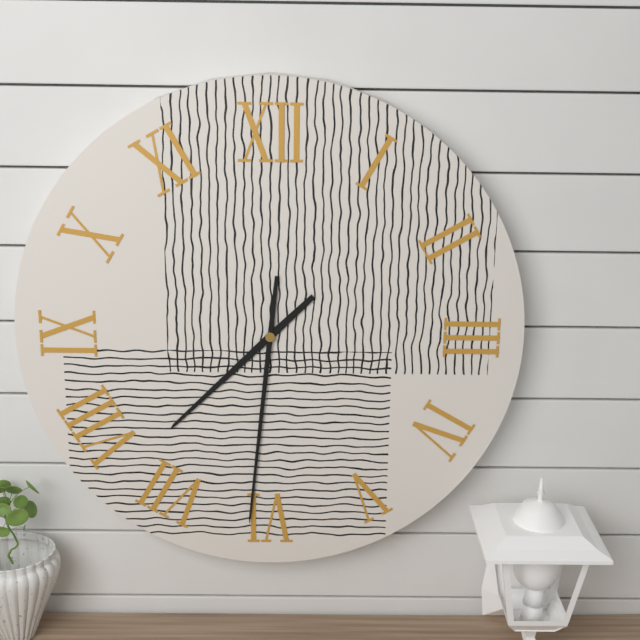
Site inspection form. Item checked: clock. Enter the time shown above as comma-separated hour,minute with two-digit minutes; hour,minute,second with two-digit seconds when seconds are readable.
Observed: 7,31
